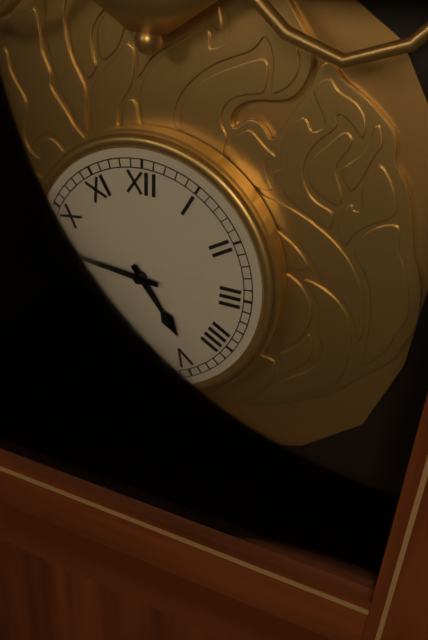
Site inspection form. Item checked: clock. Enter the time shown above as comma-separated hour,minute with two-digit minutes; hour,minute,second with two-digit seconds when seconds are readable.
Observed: 4,46
